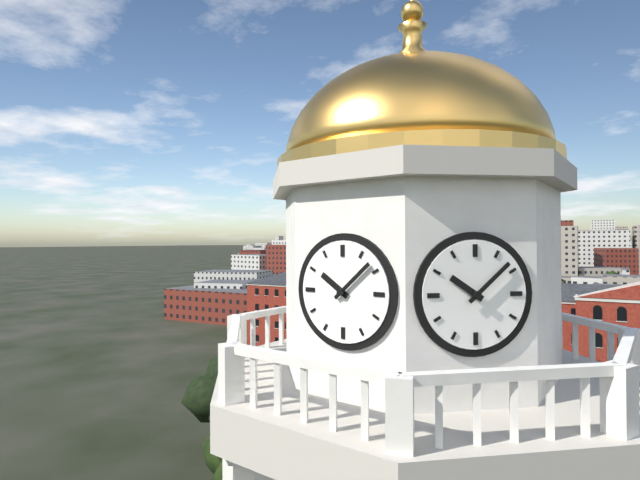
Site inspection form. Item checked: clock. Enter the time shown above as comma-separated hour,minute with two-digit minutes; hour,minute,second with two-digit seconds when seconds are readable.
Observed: 10,08
